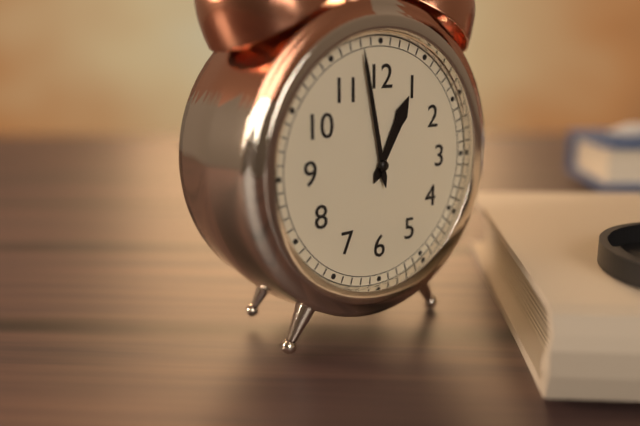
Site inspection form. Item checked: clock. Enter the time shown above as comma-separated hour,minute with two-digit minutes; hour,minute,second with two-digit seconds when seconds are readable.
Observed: 12,58
